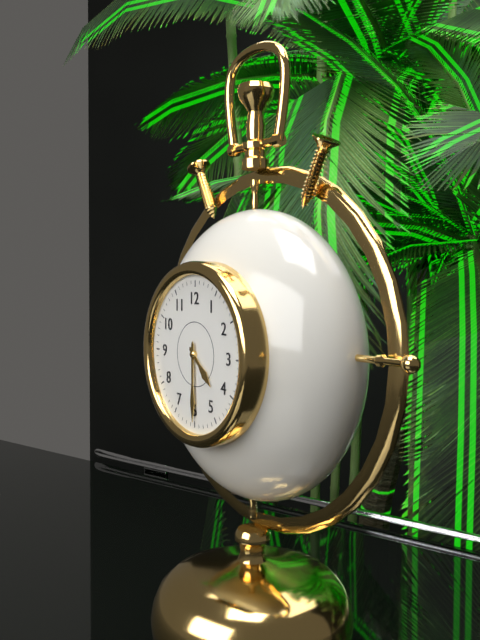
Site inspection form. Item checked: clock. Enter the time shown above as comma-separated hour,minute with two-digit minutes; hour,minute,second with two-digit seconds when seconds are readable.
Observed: 4,30
